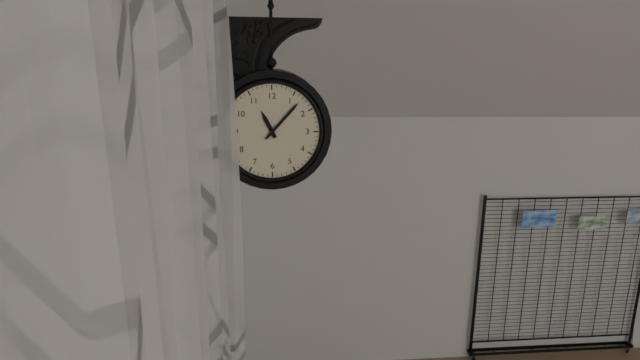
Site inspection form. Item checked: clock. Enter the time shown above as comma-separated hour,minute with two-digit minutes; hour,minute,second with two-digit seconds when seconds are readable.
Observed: 11,07
